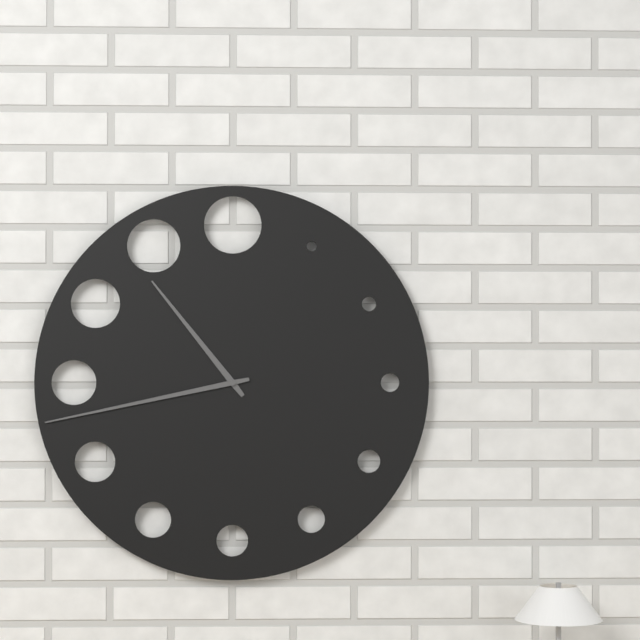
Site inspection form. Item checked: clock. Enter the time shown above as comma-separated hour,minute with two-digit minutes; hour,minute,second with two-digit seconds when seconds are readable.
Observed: 10,43
